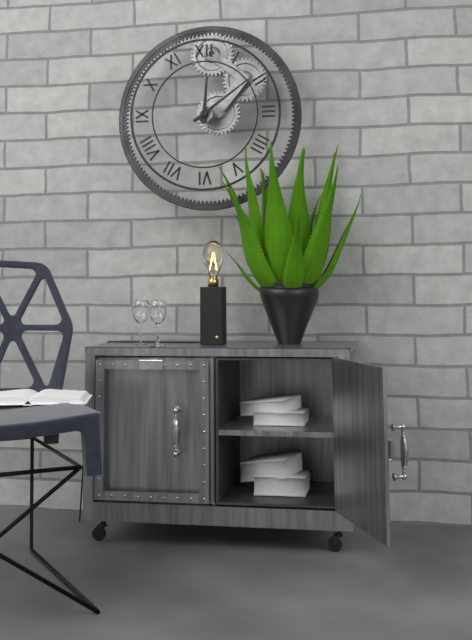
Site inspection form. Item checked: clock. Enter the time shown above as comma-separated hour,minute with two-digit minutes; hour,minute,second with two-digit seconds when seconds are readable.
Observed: 12,09
